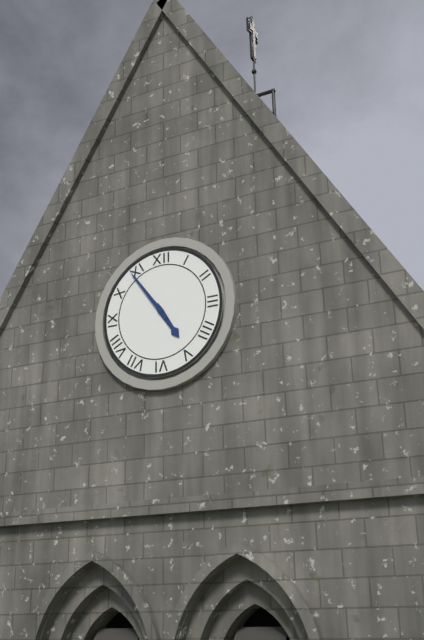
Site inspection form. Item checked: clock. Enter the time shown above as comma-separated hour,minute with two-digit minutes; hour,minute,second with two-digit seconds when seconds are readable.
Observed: 4,54
